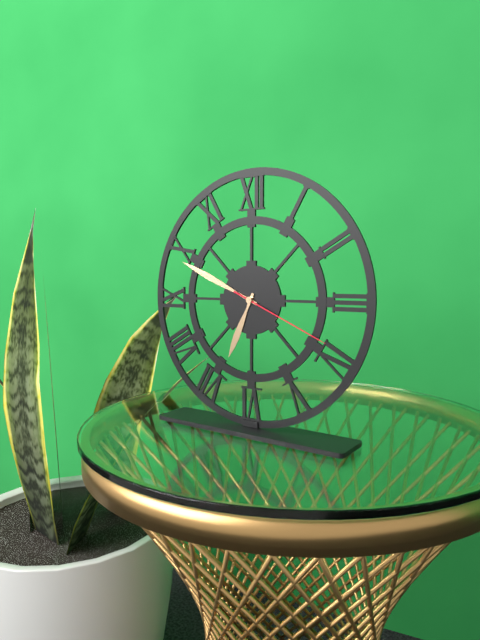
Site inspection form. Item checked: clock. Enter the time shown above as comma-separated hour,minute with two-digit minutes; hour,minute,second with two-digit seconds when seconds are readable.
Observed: 6,49,19
